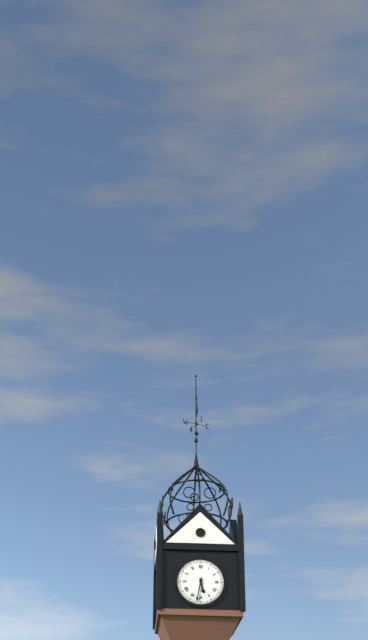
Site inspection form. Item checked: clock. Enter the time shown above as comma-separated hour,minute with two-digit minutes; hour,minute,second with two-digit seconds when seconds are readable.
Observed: 5,32
